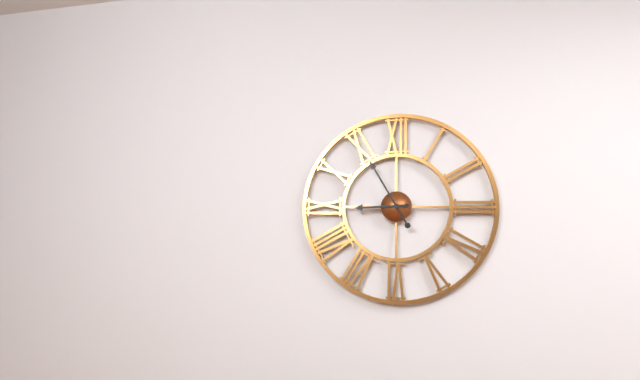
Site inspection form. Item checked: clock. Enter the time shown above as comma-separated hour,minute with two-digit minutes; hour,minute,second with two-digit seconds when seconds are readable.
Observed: 8,55
